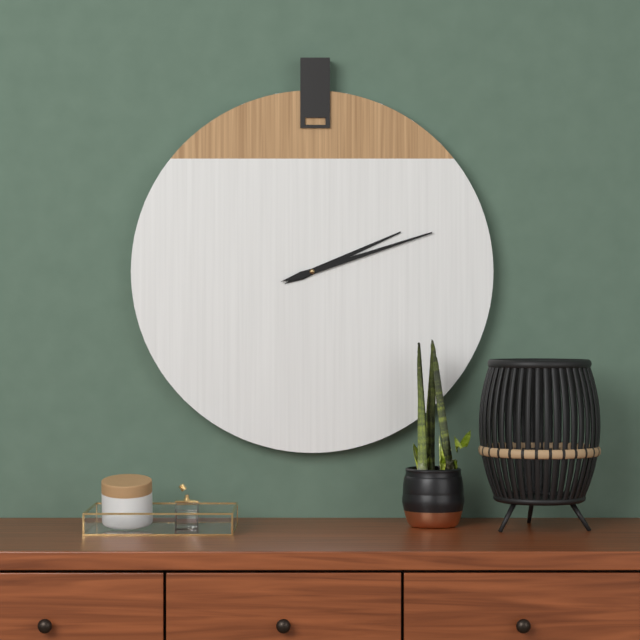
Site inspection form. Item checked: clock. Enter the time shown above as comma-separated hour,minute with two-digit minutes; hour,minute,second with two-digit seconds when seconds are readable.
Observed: 2,12
